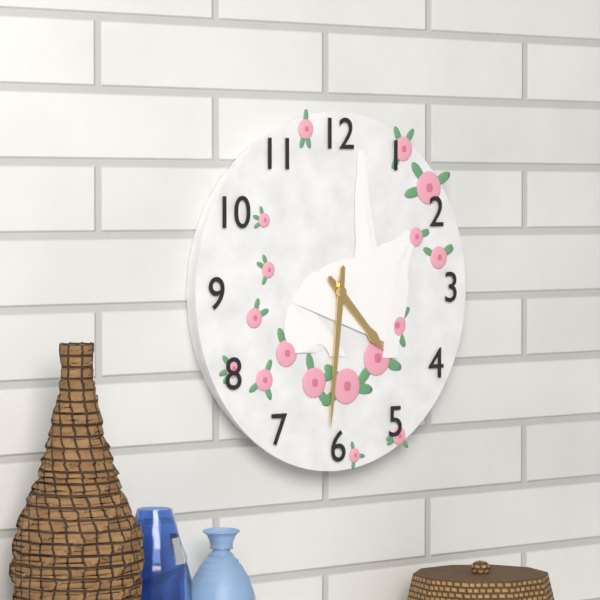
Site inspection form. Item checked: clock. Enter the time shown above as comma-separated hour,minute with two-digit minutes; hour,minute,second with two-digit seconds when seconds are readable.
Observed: 4,31
